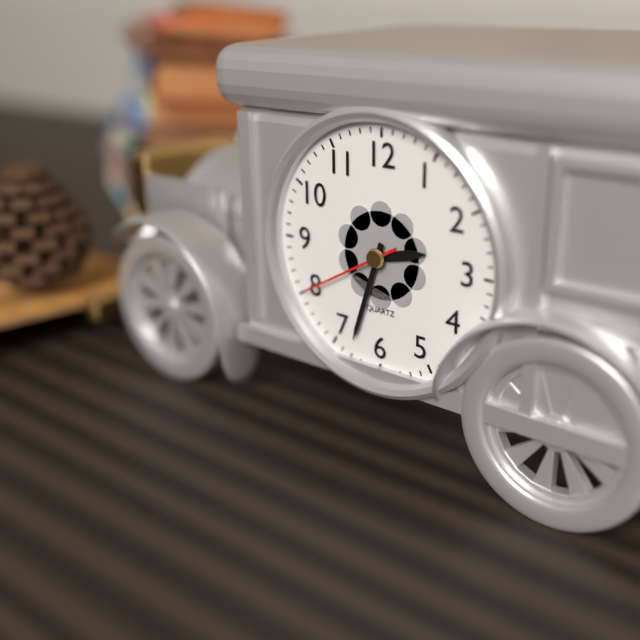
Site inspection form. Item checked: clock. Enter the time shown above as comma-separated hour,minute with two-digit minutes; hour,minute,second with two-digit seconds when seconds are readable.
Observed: 2,33,40
